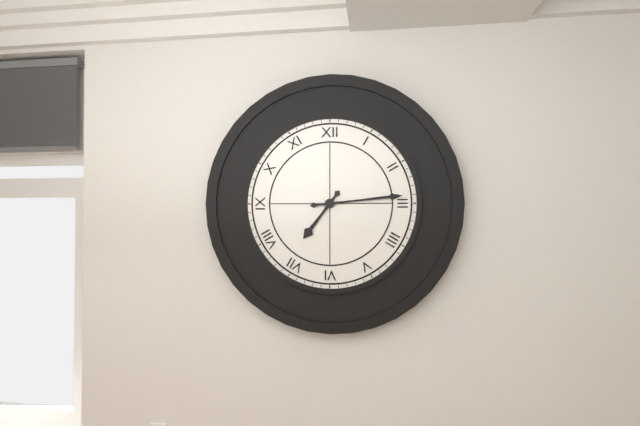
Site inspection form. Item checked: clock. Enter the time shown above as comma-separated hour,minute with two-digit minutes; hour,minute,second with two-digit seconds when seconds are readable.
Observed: 7,14
